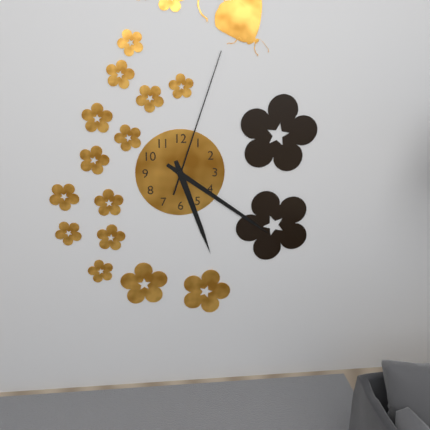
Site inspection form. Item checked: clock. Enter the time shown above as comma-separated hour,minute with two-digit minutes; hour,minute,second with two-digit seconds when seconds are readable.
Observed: 5,21,03
